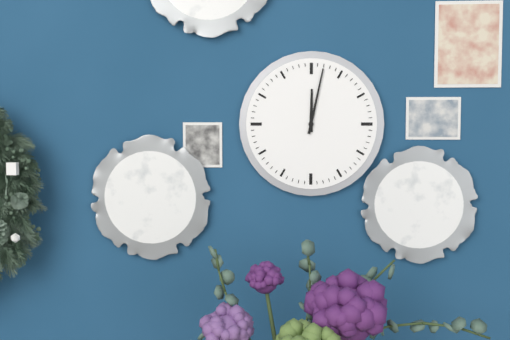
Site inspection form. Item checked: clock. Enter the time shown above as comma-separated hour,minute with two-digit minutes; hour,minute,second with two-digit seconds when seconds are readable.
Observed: 12,02
